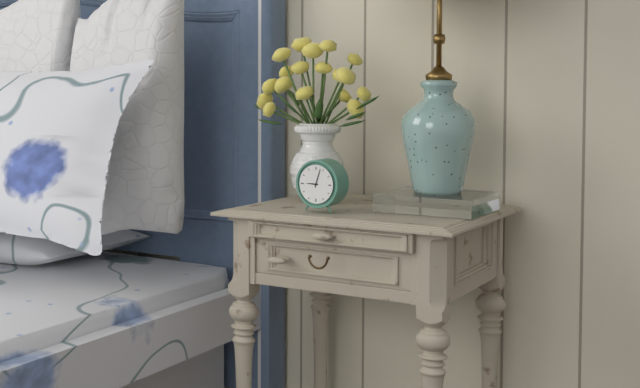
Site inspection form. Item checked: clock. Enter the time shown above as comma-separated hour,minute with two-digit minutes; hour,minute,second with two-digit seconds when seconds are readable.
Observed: 9,03
